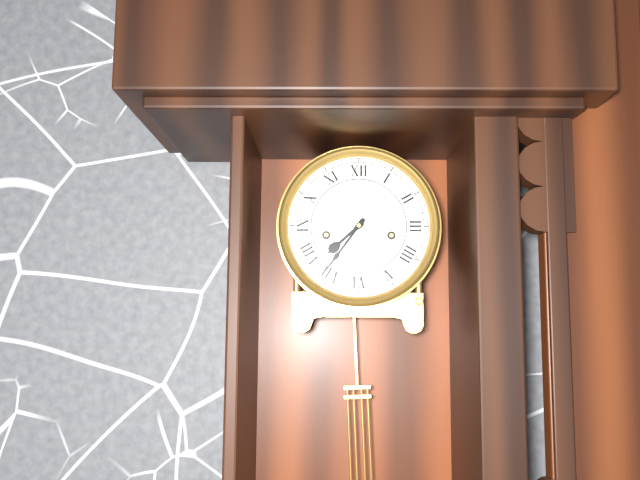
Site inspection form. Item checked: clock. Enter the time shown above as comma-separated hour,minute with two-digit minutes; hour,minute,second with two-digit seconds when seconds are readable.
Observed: 7,36
